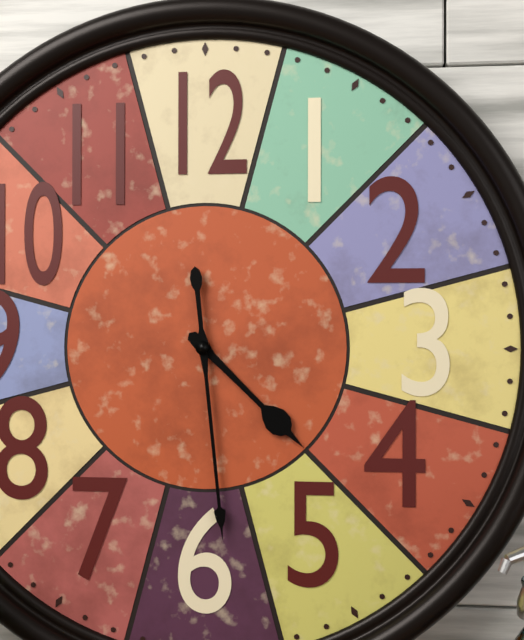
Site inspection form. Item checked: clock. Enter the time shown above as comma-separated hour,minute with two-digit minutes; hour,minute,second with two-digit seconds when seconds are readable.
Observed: 4,29
